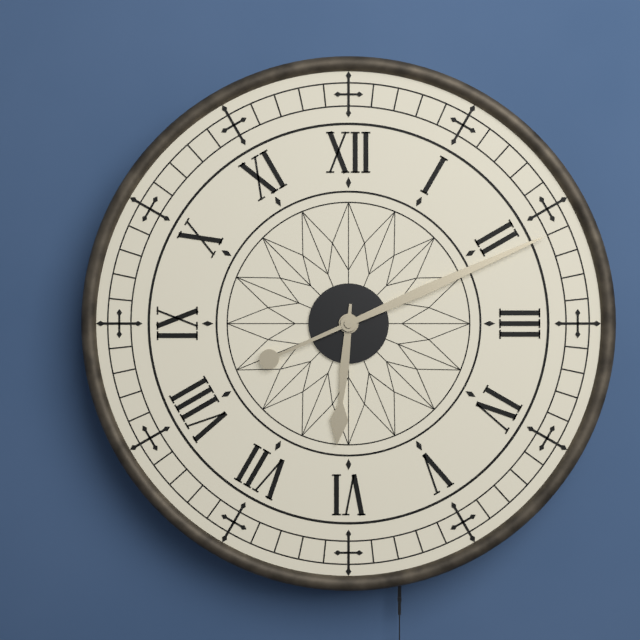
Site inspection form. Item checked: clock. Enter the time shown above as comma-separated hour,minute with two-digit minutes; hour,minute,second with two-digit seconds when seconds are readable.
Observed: 6,11
